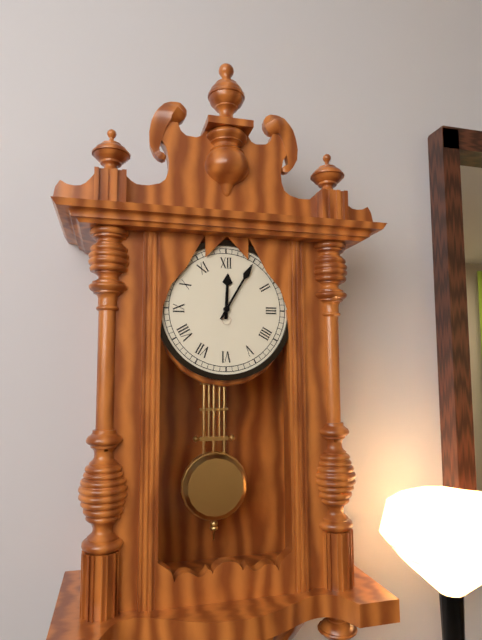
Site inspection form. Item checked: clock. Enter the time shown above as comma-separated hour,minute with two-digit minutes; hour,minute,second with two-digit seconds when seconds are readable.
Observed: 12,05
